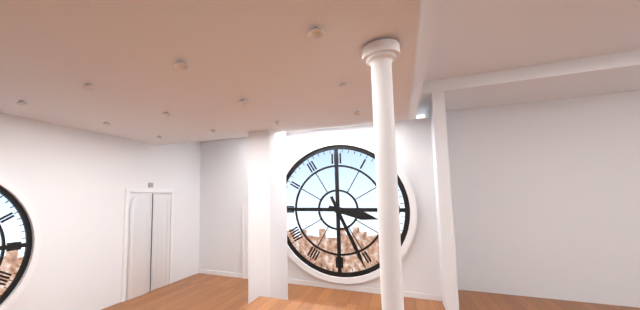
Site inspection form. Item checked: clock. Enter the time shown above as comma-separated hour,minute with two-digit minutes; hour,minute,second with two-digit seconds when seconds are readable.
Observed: 3,26
